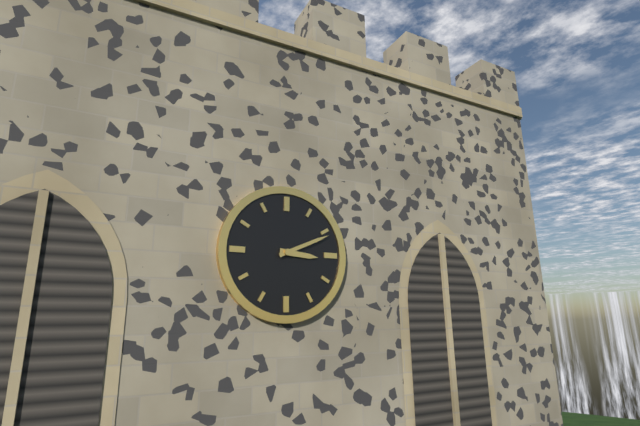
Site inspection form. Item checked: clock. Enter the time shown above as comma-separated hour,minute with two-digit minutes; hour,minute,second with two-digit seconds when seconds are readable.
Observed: 3,11
